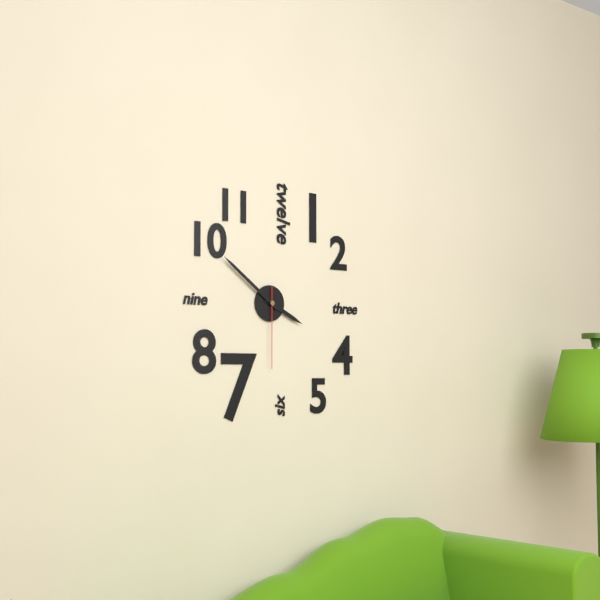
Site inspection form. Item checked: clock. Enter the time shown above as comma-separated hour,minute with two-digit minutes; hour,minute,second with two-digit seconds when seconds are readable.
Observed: 3,51,30
